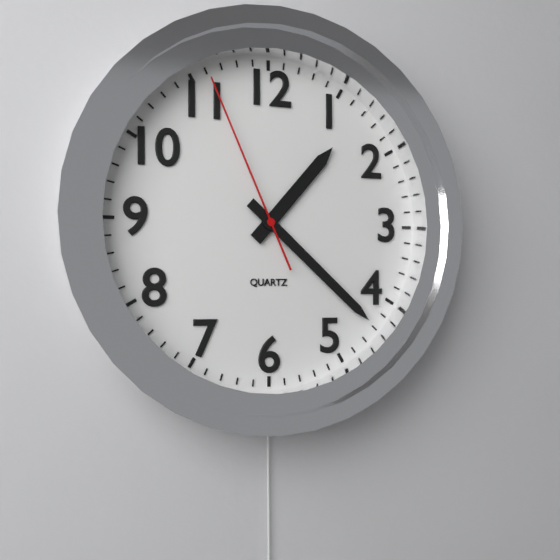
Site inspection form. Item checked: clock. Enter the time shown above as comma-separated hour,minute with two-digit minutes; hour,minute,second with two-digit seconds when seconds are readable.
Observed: 1,22,56
